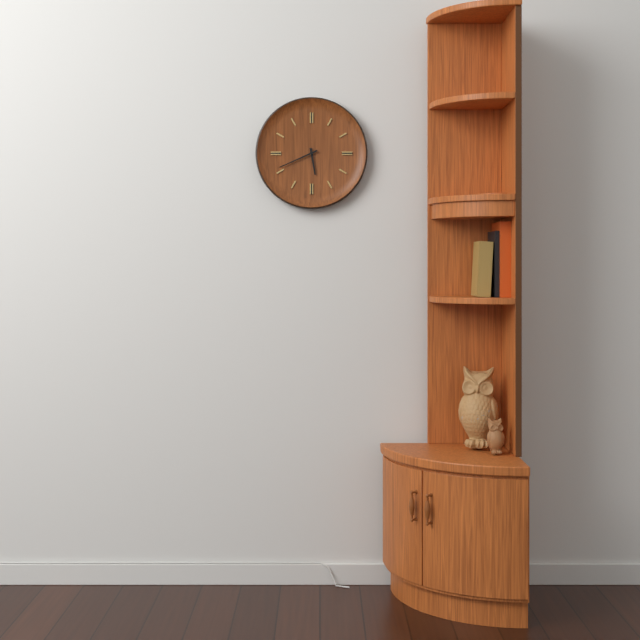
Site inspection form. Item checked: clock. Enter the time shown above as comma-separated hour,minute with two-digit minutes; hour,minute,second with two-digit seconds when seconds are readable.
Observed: 5,41
